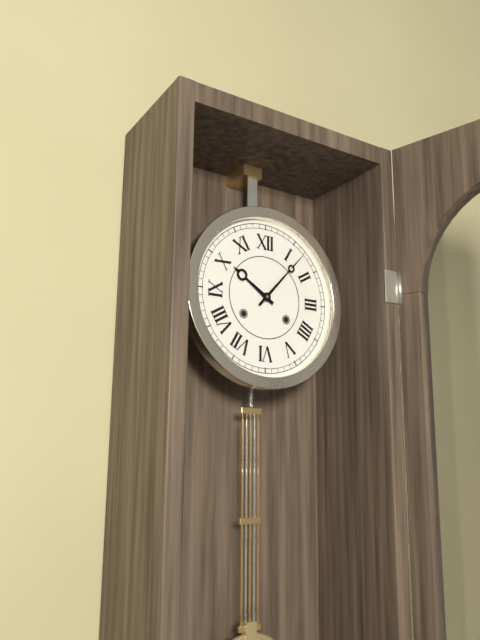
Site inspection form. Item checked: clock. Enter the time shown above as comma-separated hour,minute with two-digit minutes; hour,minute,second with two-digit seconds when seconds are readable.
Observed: 10,07
